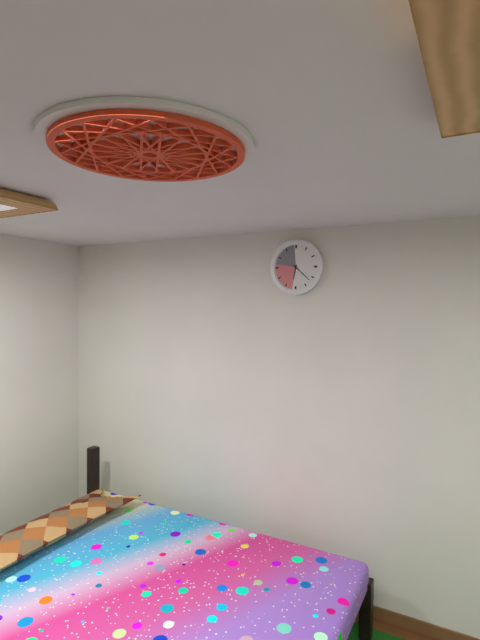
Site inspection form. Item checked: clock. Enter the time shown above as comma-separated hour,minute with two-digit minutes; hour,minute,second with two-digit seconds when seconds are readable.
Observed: 6,22
